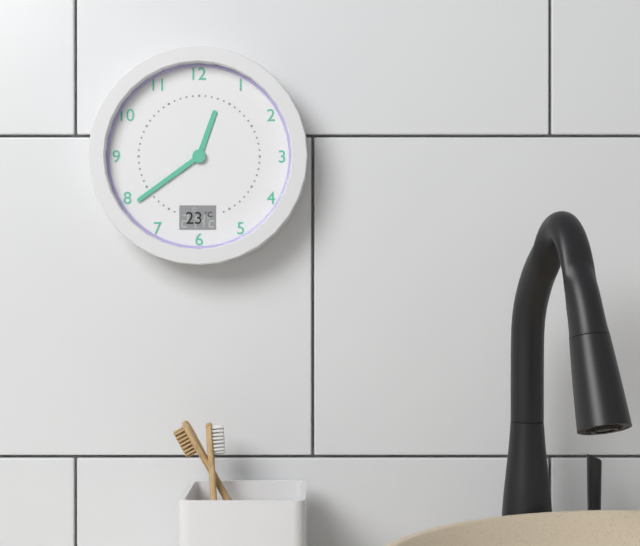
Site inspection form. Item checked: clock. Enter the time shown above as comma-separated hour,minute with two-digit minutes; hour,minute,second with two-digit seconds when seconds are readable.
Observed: 12,39
